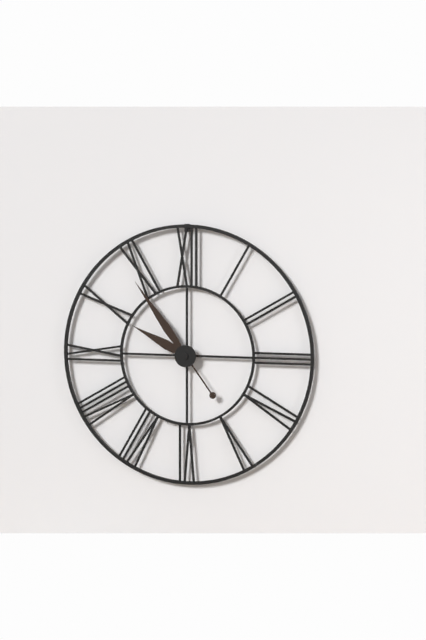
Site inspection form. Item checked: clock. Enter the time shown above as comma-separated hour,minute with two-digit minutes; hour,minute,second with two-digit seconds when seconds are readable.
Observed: 9,54
